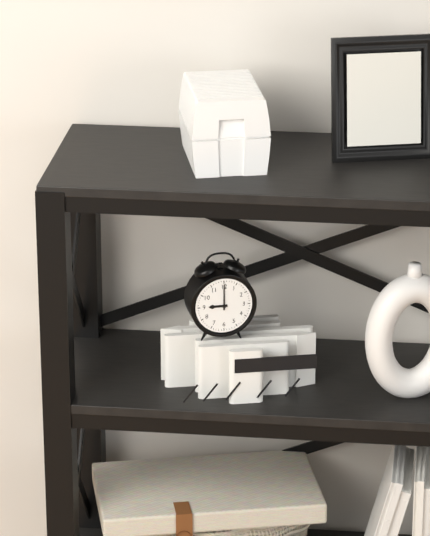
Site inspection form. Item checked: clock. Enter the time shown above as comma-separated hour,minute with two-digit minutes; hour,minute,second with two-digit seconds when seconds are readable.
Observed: 9,00
